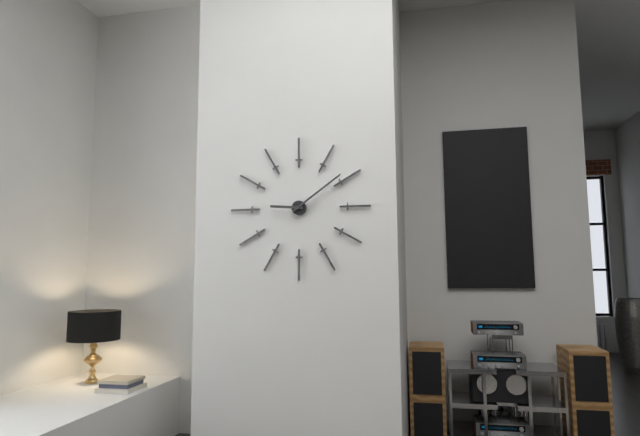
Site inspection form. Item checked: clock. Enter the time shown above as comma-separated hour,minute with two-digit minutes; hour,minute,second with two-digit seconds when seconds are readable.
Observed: 9,09
